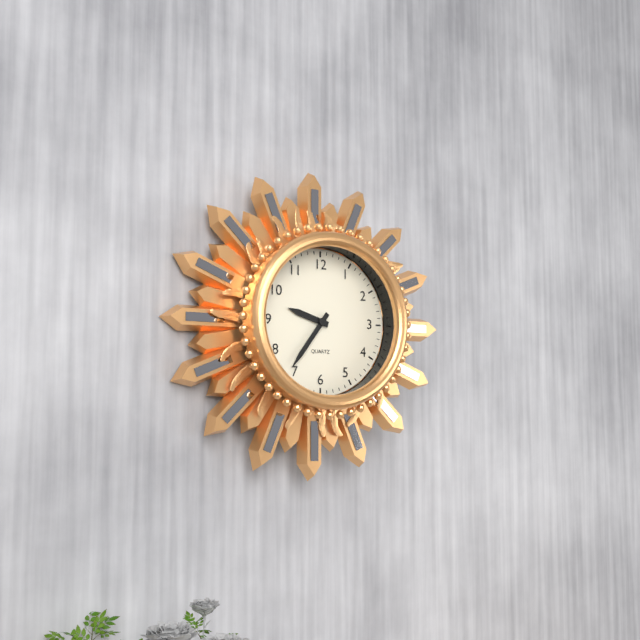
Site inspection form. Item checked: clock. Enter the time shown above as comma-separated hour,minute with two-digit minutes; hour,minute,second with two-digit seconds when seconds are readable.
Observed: 9,36
